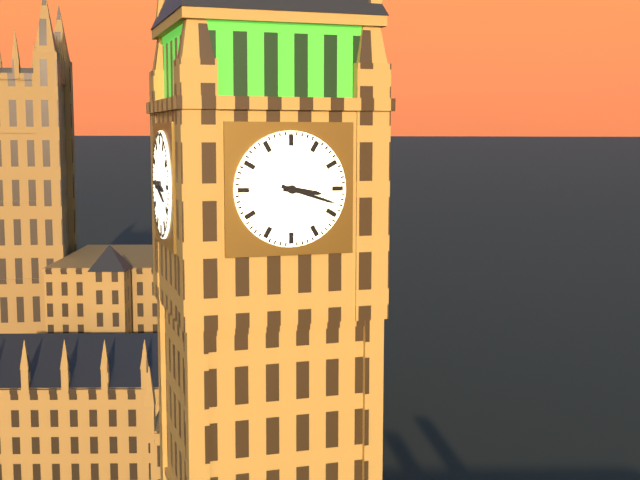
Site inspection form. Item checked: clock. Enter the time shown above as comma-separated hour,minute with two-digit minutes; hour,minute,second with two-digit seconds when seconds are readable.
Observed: 3,18
